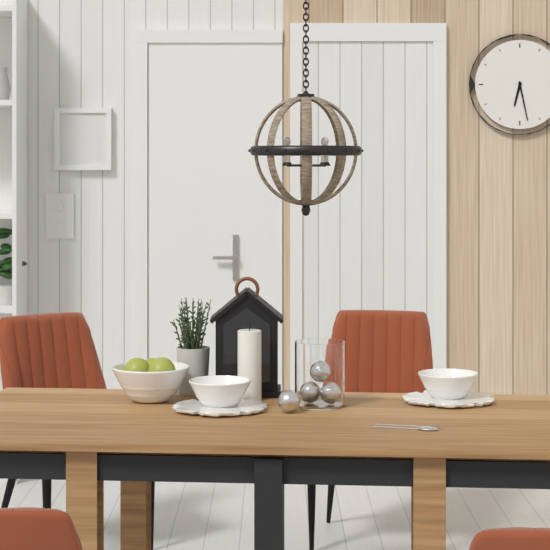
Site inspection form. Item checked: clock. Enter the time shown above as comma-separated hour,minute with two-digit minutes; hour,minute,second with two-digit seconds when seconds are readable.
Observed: 6,28
